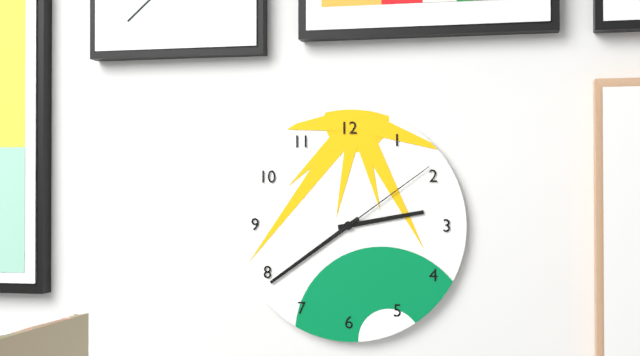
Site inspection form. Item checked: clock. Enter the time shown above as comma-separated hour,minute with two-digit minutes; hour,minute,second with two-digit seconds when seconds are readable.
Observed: 2,39,09
